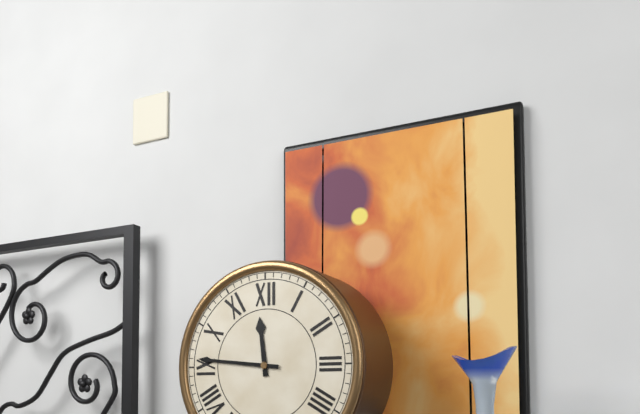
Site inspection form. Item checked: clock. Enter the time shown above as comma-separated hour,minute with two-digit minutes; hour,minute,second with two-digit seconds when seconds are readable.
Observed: 11,46
